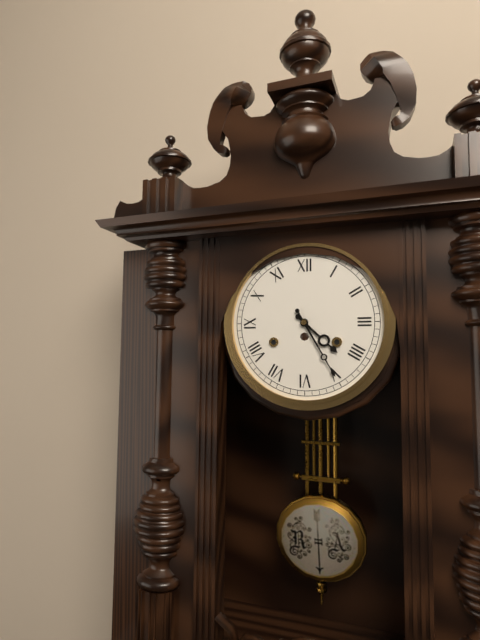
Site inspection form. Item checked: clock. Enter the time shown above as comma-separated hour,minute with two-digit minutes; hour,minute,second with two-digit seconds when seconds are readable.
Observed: 4,25
